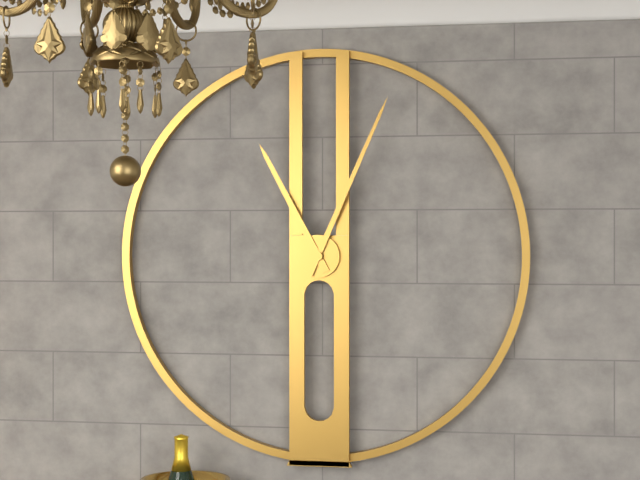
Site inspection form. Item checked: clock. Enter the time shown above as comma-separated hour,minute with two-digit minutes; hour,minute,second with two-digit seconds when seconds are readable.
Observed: 11,04
